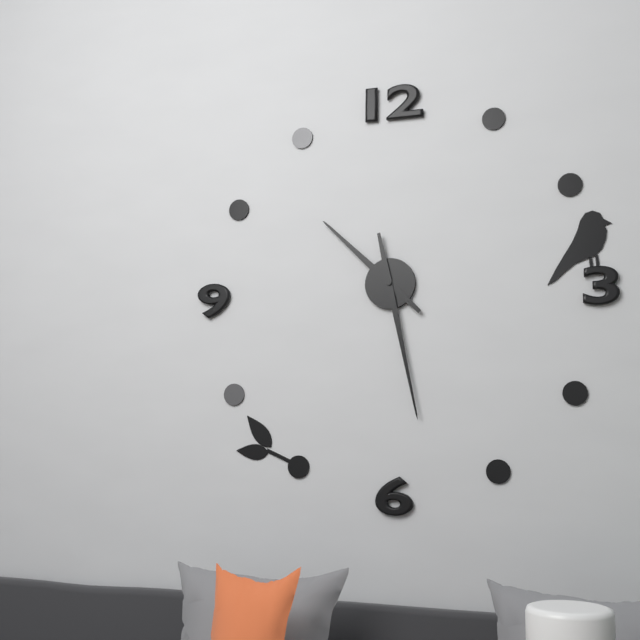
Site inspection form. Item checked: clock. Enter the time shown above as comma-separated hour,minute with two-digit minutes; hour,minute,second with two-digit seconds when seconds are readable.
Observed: 10,28
